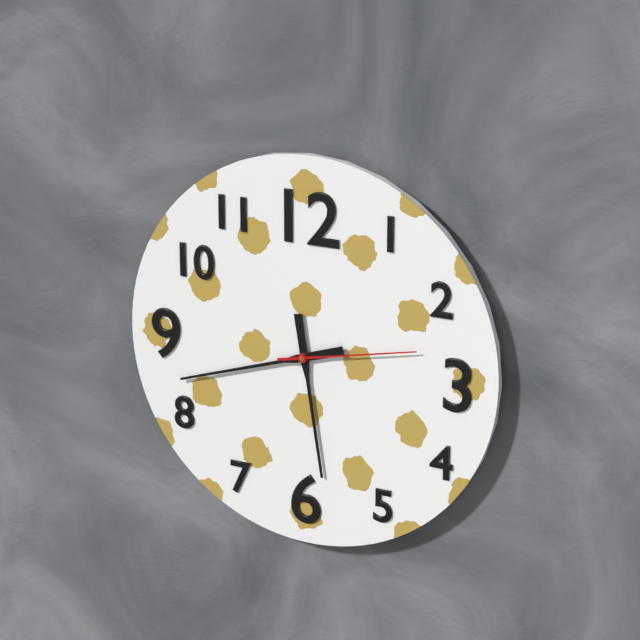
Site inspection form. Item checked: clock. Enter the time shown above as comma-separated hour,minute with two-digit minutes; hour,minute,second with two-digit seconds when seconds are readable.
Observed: 5,42,13
